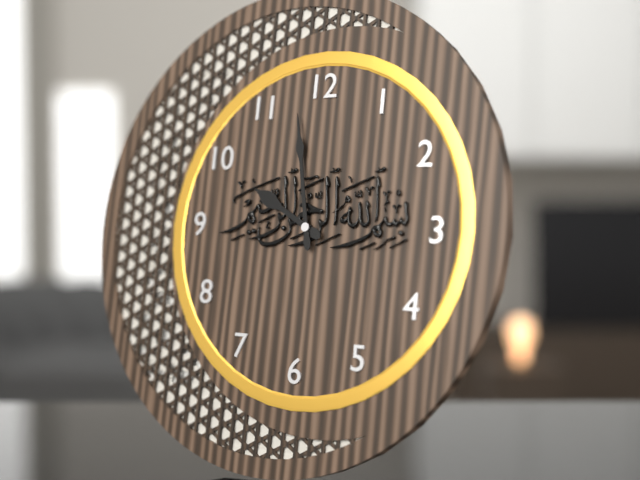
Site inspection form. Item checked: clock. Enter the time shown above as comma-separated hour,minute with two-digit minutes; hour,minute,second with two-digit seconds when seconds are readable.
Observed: 9,58
